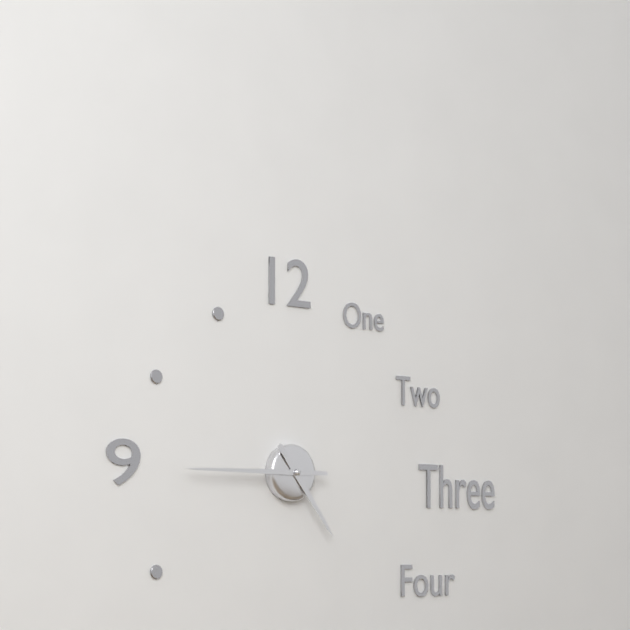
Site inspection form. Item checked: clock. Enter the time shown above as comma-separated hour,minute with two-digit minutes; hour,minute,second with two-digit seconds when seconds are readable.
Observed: 4,45
